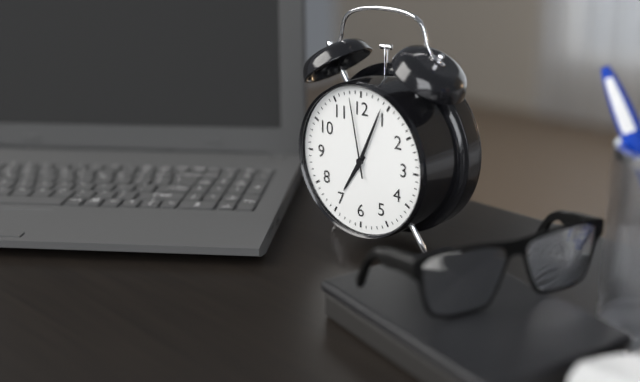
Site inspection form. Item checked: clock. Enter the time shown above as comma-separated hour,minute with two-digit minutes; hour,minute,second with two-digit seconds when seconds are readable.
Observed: 7,04,58
